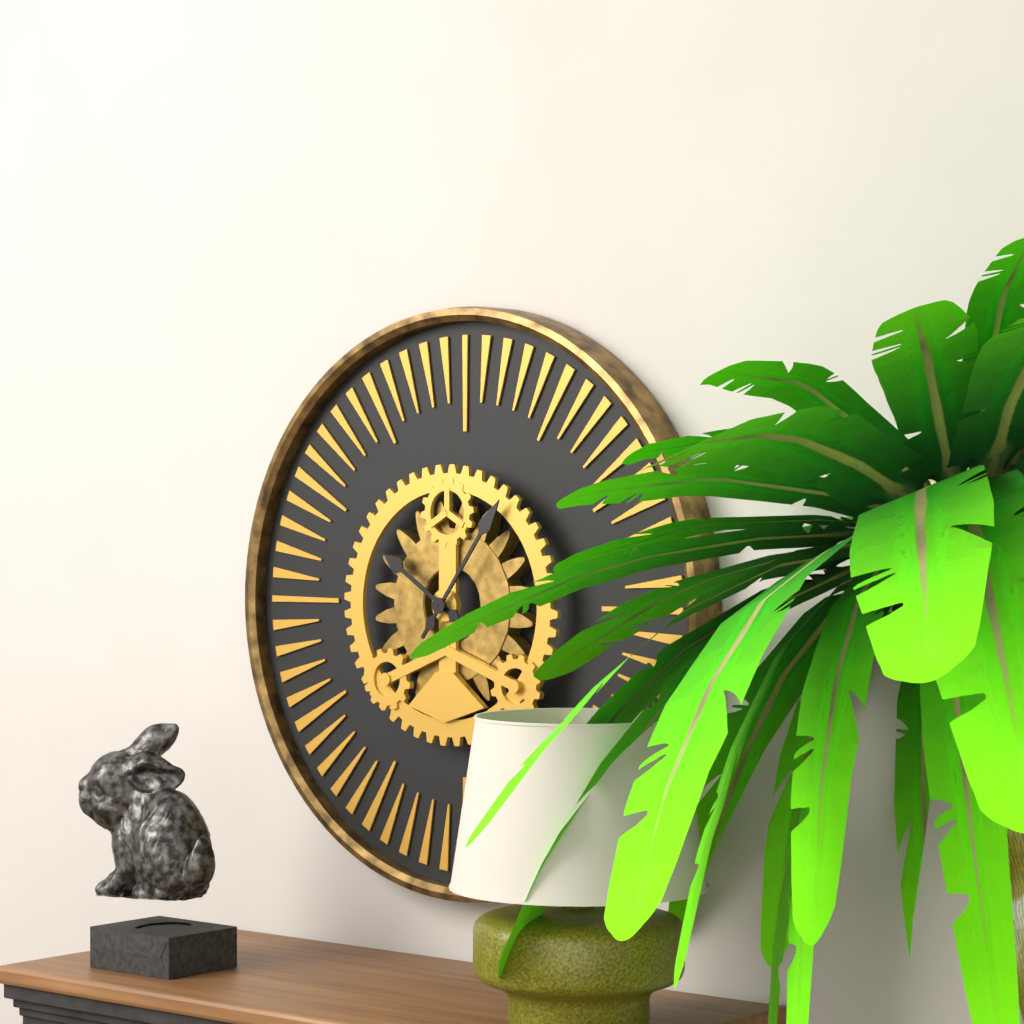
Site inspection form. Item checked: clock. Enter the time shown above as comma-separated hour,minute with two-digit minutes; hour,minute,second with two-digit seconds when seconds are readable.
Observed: 10,06
